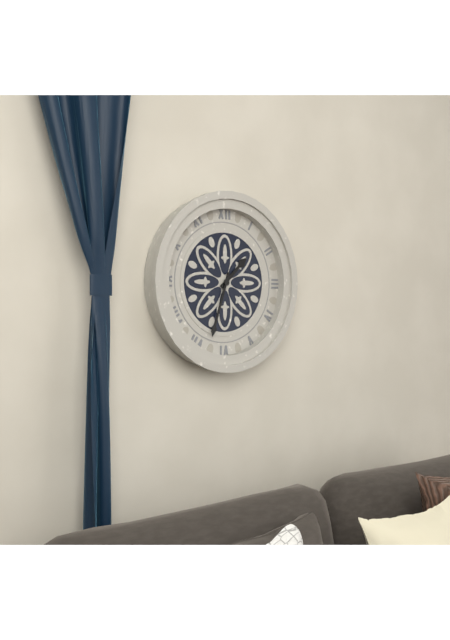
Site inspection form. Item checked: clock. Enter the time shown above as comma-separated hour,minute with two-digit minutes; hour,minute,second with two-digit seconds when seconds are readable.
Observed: 1,33
